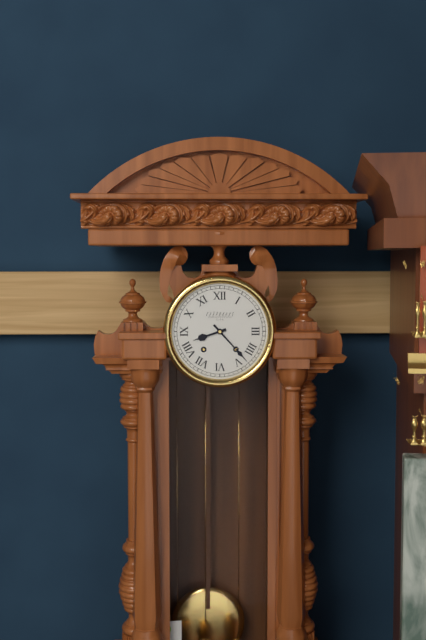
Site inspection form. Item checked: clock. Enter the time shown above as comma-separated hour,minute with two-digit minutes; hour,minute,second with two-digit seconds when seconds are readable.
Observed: 8,23
